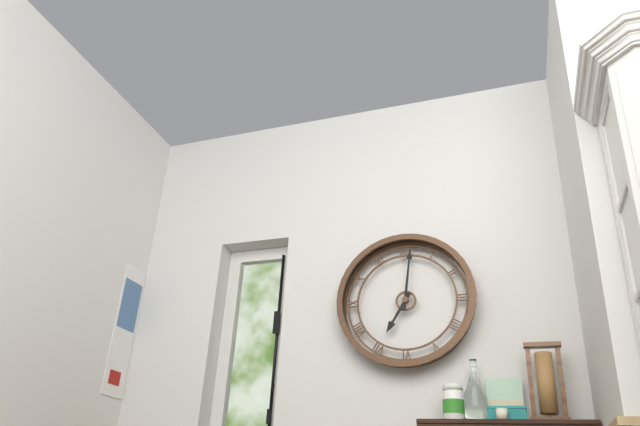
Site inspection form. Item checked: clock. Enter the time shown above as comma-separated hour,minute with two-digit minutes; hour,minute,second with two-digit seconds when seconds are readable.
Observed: 7,01
